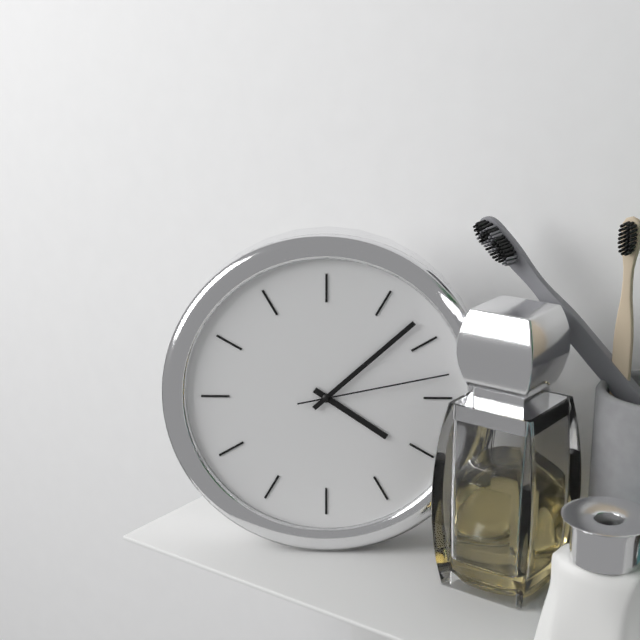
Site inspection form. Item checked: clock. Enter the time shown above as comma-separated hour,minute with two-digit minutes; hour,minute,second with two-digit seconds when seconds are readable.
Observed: 4,08,13
